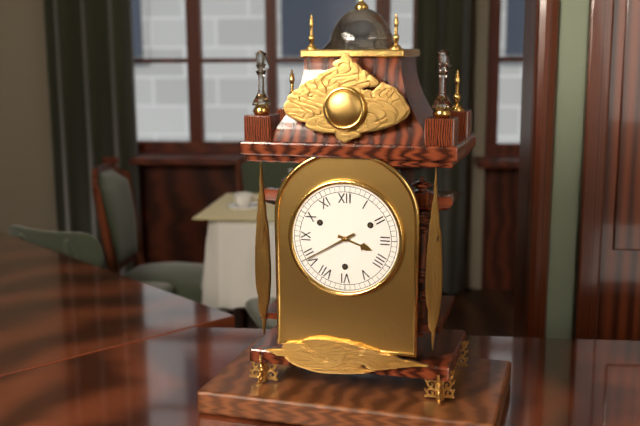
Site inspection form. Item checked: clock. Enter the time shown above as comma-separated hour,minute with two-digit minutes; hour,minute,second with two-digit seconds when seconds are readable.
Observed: 3,40
